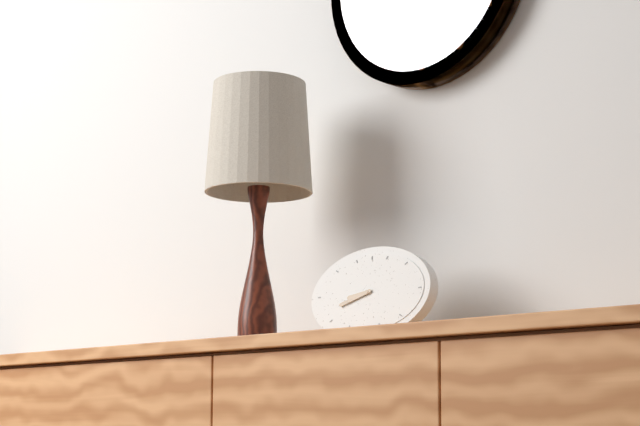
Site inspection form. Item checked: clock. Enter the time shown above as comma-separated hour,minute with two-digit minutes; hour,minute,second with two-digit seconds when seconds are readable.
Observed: 8,42
